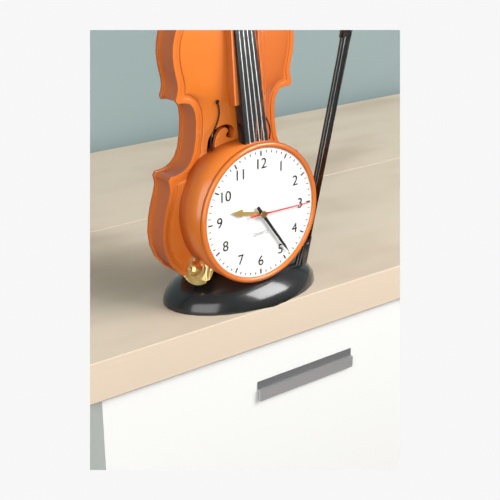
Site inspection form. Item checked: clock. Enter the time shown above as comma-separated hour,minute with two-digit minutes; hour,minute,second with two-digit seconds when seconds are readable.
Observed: 9,24,15
